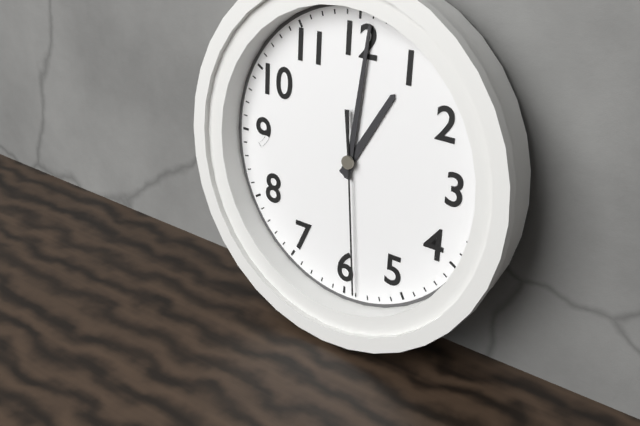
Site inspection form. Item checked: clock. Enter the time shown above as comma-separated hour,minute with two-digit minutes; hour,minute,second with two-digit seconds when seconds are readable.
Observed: 1,01,29
